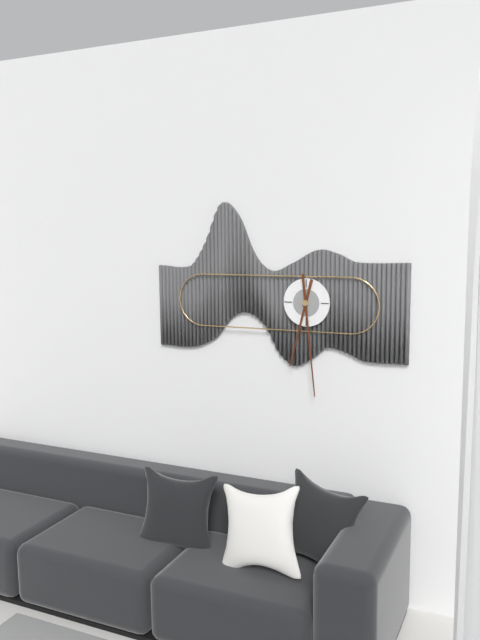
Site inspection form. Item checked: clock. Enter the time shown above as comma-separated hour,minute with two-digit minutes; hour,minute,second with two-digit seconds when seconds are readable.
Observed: 6,29
